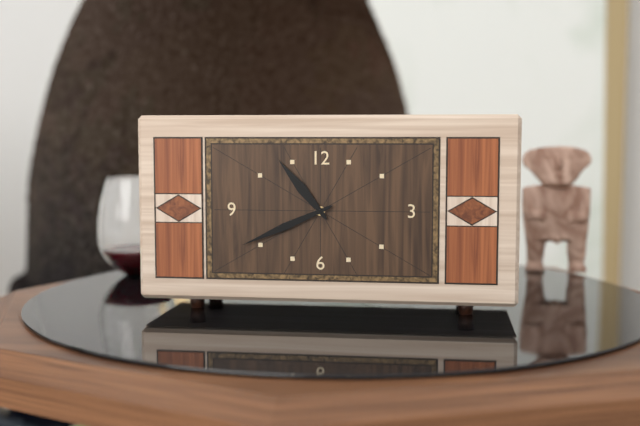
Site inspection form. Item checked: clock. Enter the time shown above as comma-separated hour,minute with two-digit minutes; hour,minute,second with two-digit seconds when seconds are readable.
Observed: 10,41
